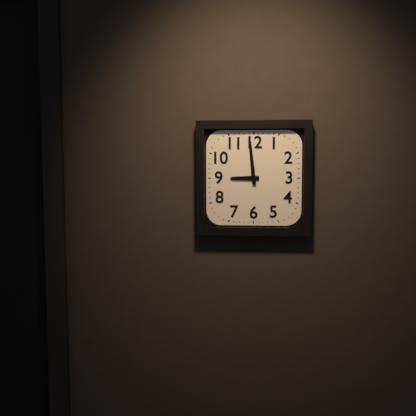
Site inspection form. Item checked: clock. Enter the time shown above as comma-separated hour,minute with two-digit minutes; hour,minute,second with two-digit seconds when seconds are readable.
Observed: 8,59
